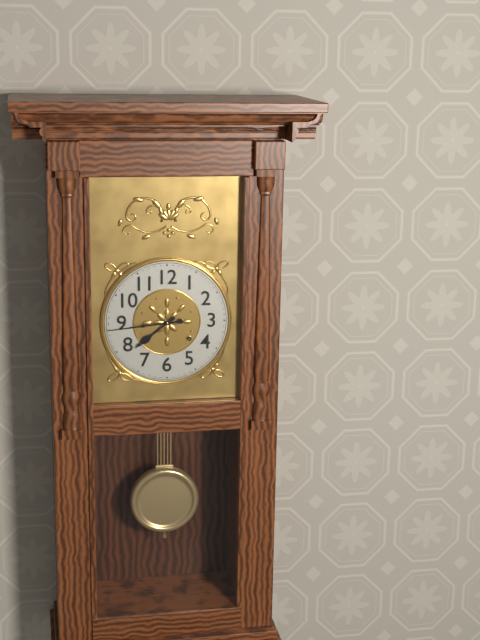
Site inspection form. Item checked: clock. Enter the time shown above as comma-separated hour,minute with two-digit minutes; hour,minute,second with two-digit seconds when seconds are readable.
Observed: 7,44
